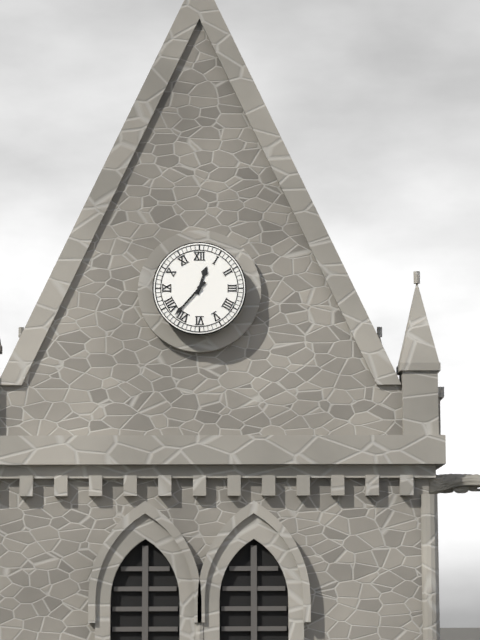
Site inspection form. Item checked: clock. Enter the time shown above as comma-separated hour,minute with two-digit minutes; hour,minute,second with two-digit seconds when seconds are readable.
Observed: 12,37
